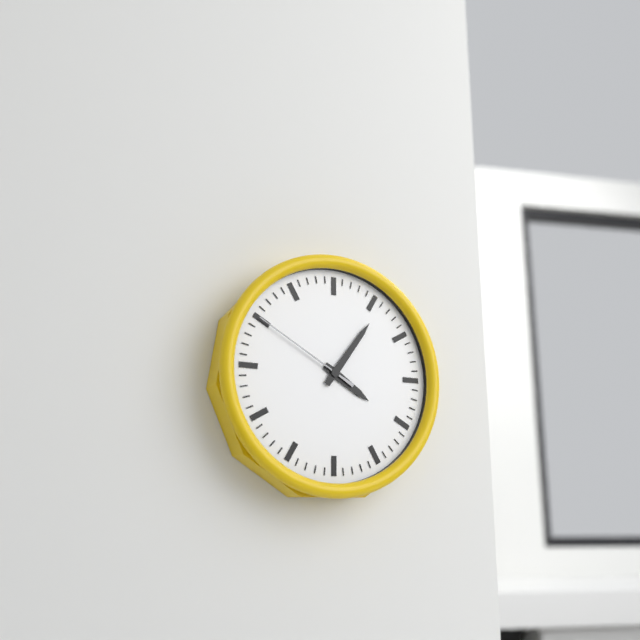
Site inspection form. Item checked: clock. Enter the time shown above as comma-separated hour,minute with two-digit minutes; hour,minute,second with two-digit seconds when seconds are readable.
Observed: 4,06,50
